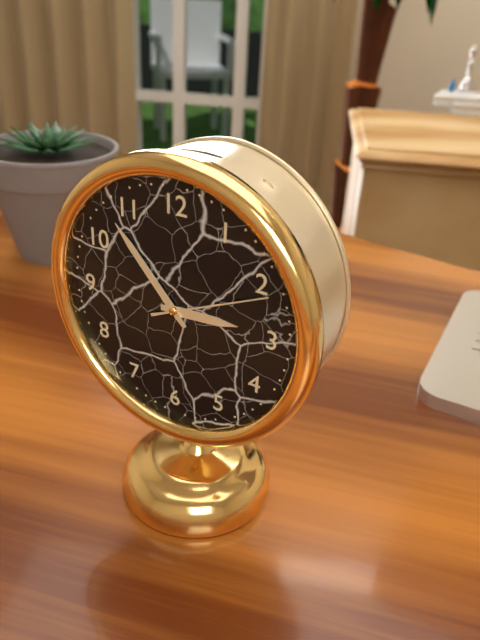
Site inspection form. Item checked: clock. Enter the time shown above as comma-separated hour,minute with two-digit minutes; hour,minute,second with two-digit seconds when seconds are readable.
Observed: 2,53,11
